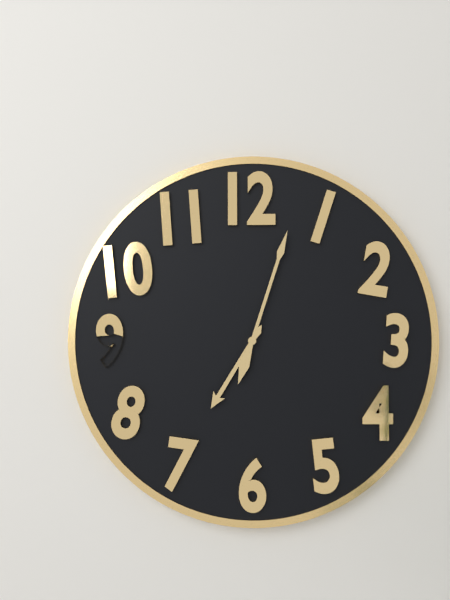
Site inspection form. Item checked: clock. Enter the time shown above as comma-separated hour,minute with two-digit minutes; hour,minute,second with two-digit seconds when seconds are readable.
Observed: 7,03
